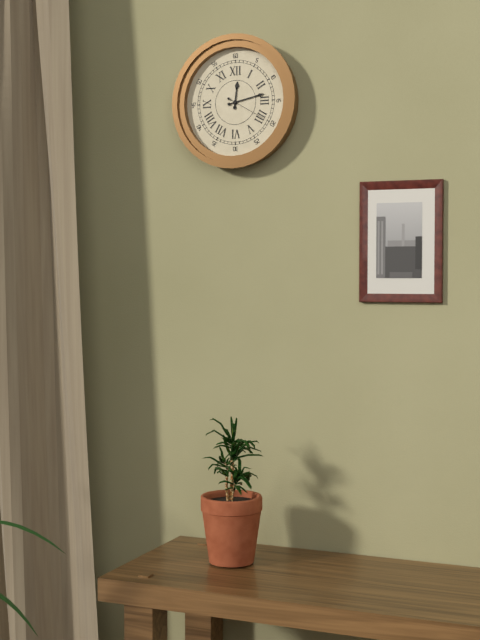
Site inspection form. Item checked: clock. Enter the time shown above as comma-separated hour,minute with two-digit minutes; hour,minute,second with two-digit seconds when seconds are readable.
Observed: 12,13
